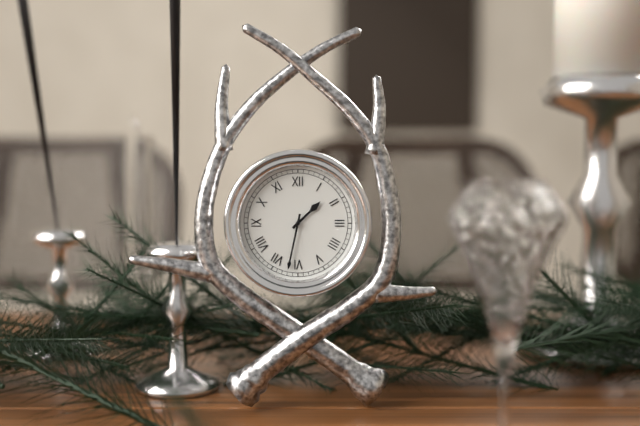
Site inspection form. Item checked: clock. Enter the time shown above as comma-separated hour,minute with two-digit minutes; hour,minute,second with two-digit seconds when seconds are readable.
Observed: 1,32
